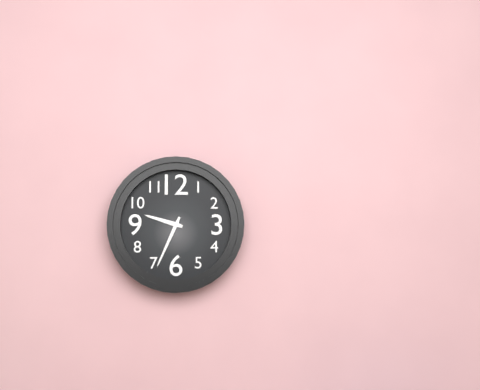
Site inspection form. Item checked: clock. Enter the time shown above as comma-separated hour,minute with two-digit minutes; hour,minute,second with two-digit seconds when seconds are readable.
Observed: 9,34
